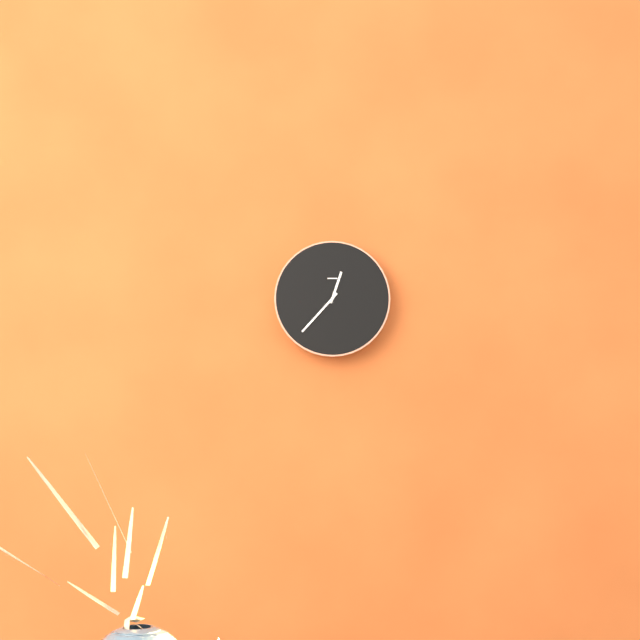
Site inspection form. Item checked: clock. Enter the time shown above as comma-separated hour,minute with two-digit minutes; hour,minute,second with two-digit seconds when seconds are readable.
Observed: 12,37
